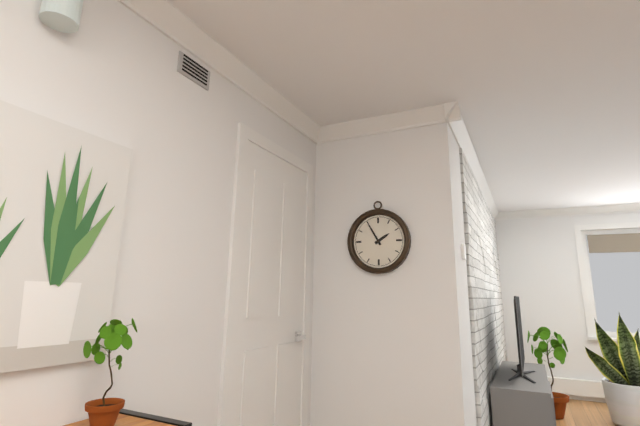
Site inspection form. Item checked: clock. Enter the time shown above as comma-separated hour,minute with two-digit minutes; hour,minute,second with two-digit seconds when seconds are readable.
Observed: 1,55
